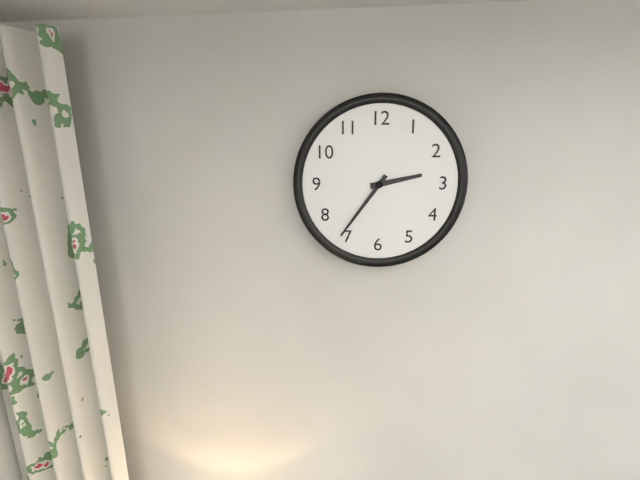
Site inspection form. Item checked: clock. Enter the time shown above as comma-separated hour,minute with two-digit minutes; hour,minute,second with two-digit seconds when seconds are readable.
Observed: 2,36
